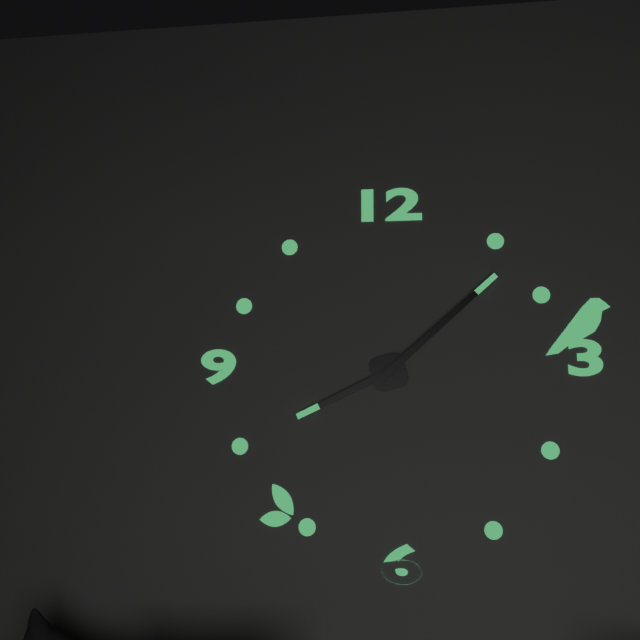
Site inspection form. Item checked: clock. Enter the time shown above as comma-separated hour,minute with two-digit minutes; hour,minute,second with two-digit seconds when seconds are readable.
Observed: 8,08
